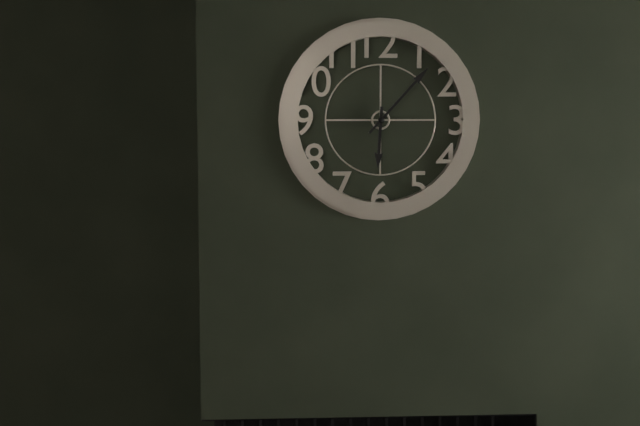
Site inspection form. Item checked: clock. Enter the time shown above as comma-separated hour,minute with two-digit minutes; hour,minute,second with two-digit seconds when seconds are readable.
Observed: 6,07
